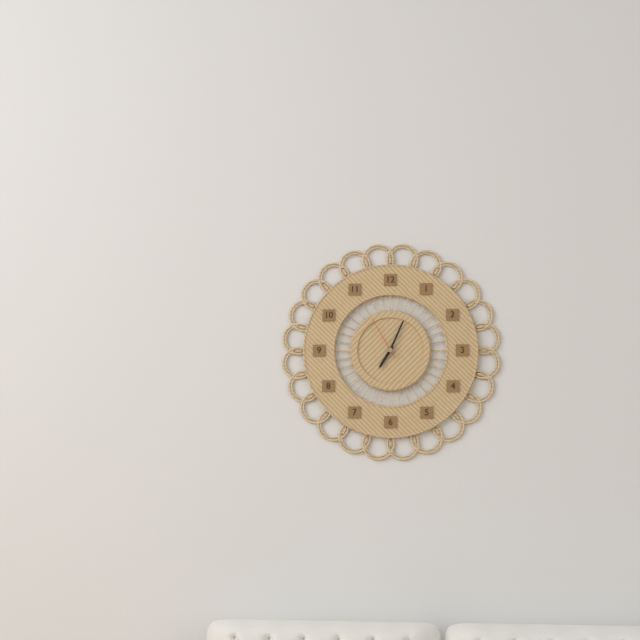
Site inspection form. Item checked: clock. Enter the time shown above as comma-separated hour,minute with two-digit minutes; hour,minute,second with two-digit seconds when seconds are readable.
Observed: 7,04
